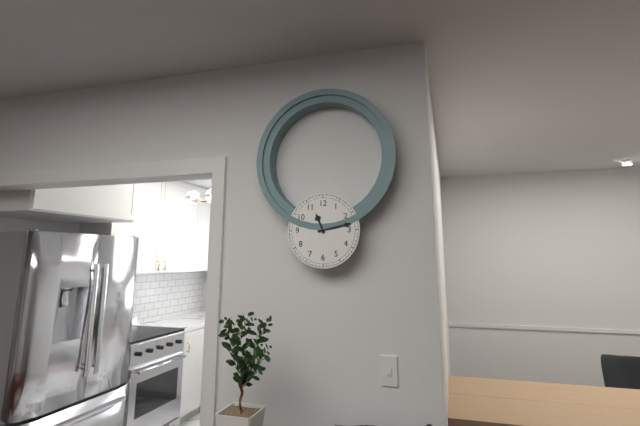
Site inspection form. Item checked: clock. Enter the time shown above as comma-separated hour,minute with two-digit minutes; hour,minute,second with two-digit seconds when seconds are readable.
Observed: 11,13
